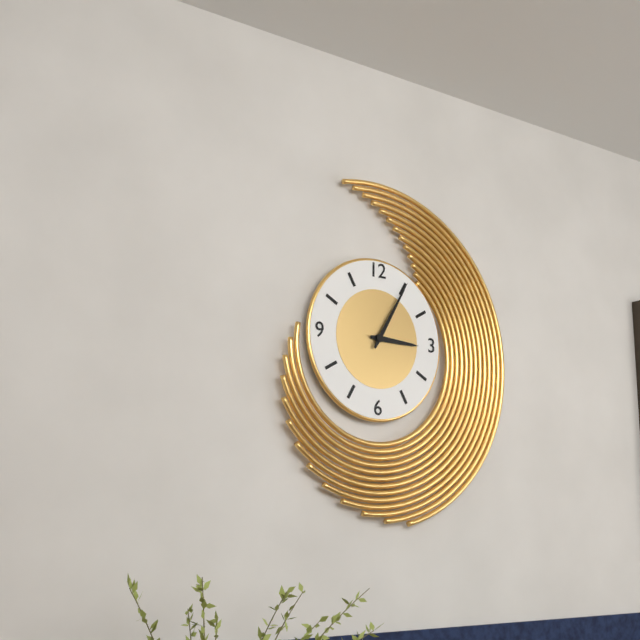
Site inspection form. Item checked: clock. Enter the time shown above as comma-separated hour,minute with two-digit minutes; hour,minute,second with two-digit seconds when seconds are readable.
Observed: 3,05
